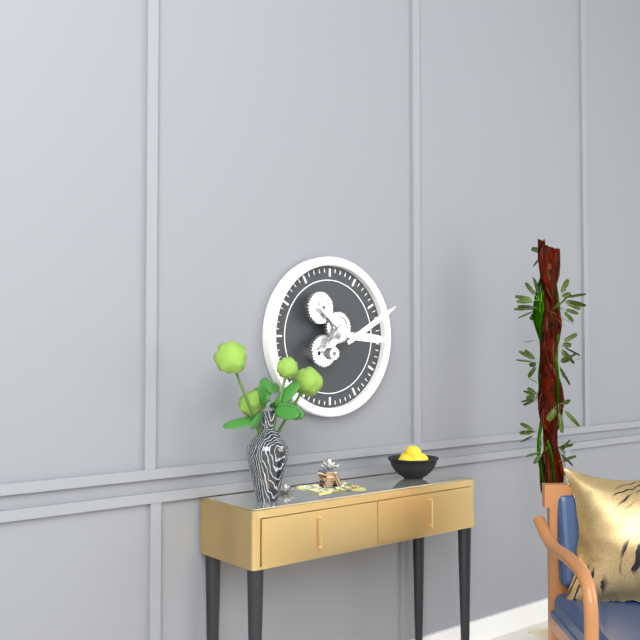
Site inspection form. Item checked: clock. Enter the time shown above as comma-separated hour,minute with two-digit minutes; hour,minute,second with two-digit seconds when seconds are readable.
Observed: 3,10
